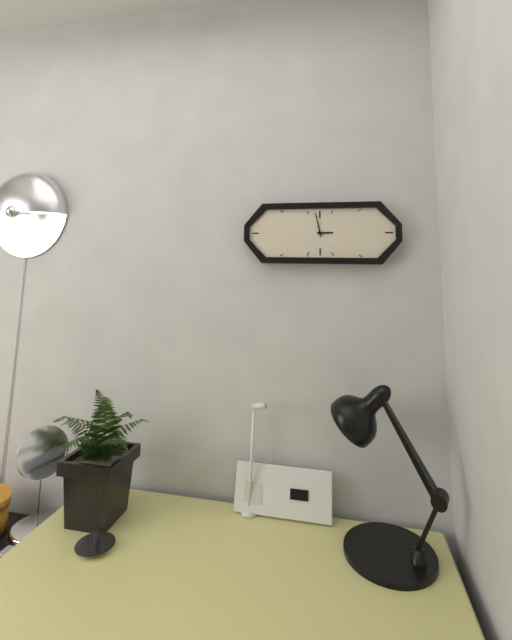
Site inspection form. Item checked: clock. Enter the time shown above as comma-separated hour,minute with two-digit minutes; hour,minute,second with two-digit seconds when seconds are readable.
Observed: 2,58
